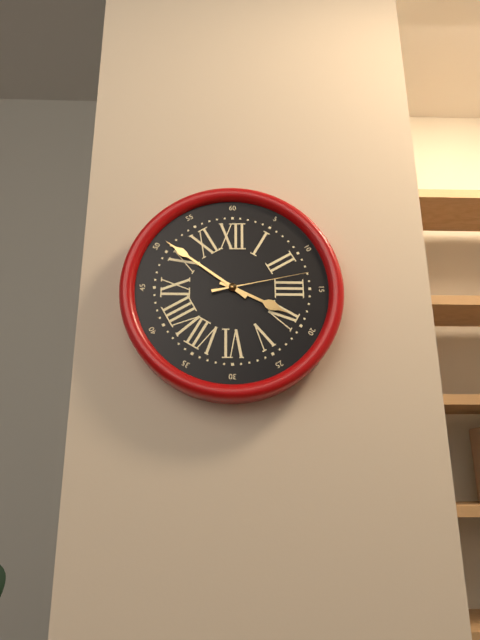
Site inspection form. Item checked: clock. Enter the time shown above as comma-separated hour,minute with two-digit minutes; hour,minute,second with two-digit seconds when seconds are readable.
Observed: 3,51,13
